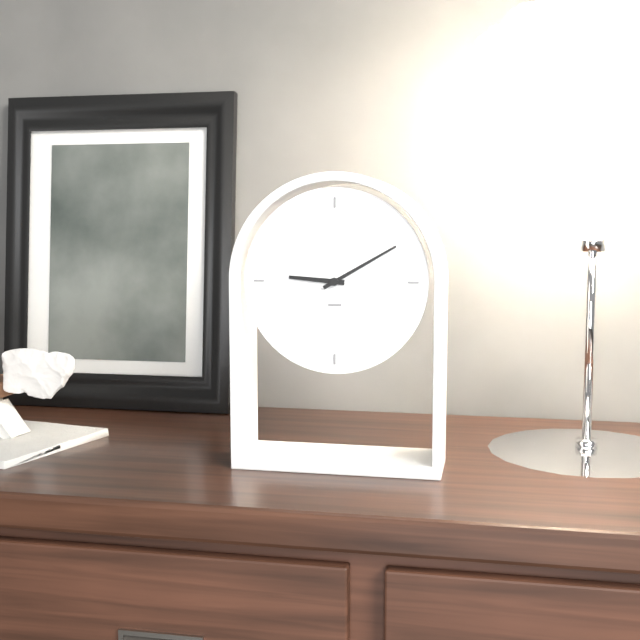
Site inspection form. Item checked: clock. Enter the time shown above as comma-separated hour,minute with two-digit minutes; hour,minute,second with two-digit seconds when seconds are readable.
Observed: 9,10
